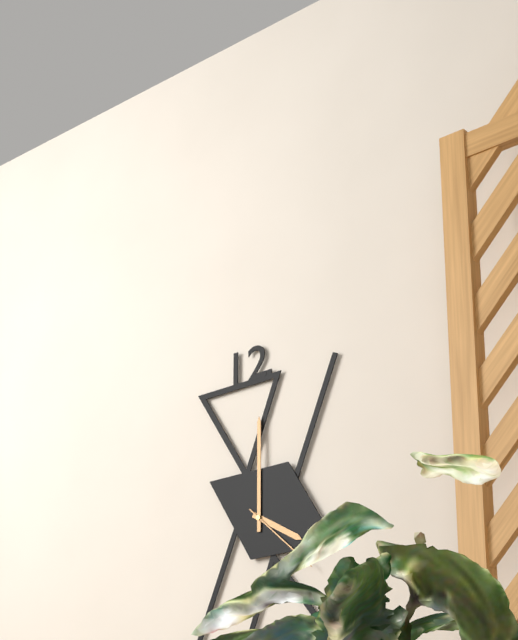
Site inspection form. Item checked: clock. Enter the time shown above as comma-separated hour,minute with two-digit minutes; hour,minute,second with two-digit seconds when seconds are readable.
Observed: 4,00,22
